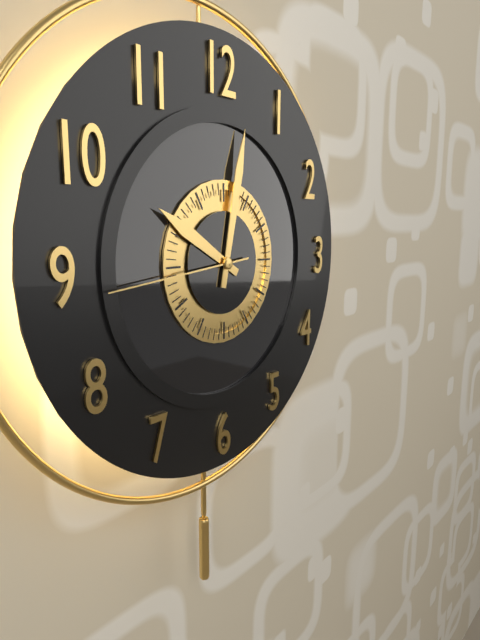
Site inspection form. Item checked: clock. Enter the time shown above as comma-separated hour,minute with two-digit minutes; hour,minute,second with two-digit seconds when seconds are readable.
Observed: 10,02,44
